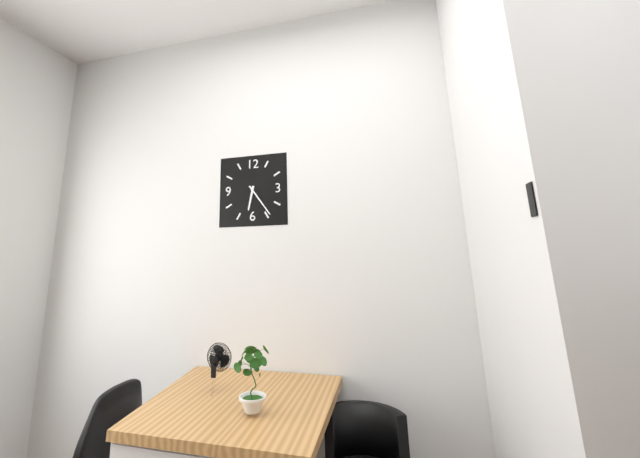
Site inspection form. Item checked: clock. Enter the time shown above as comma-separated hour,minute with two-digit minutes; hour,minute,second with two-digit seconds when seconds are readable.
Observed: 6,24
